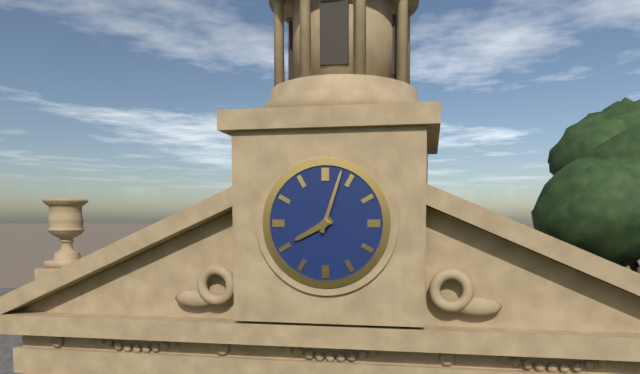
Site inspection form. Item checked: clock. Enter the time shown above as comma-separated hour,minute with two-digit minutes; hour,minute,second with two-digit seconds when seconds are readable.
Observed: 8,03
